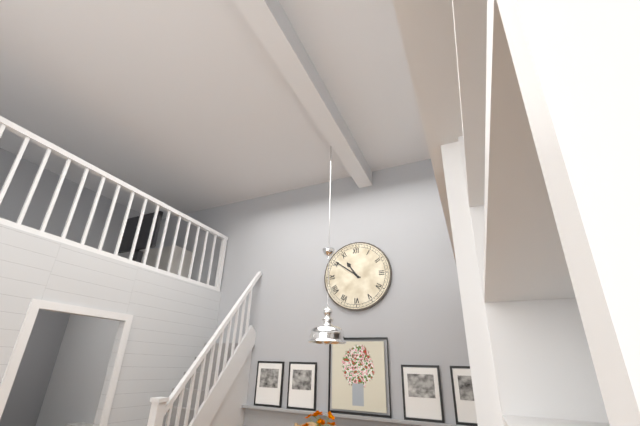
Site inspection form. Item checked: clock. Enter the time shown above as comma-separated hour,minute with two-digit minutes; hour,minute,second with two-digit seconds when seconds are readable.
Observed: 10,51
